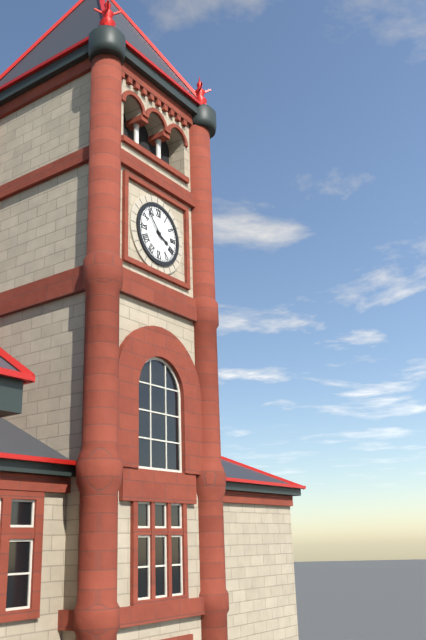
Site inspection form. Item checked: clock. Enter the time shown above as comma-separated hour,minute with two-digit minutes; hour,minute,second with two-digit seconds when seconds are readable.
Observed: 3,53
